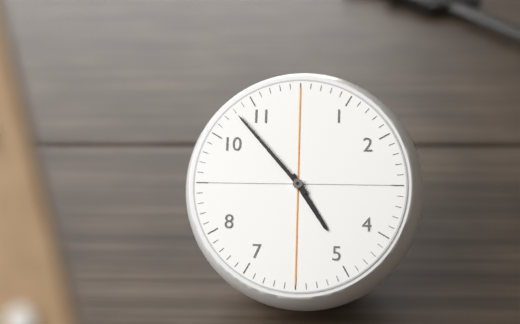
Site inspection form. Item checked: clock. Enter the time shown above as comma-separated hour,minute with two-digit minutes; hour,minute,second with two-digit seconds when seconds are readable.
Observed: 4,53
